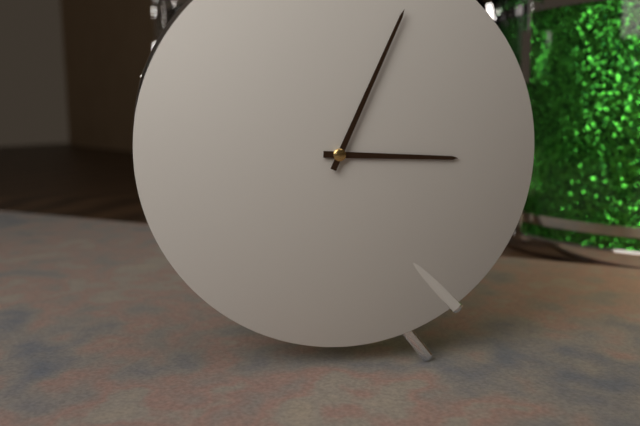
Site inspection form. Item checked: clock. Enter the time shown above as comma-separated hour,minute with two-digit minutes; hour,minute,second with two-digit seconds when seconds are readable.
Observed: 3,04
